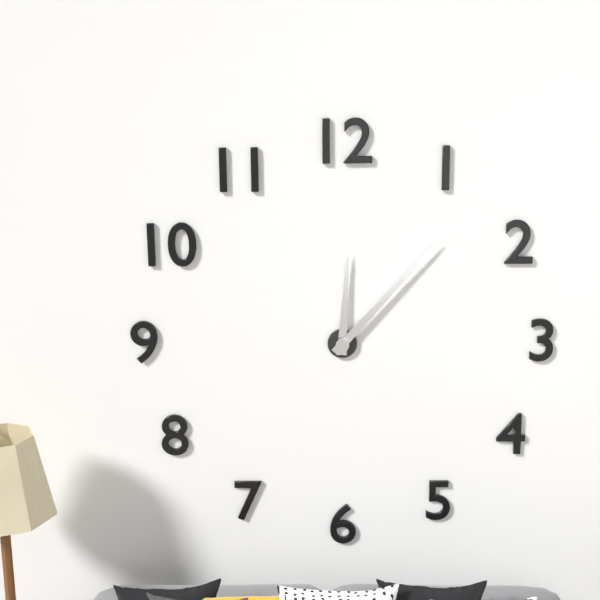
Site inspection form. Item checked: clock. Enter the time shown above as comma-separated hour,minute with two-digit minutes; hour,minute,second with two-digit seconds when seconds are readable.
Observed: 12,07
